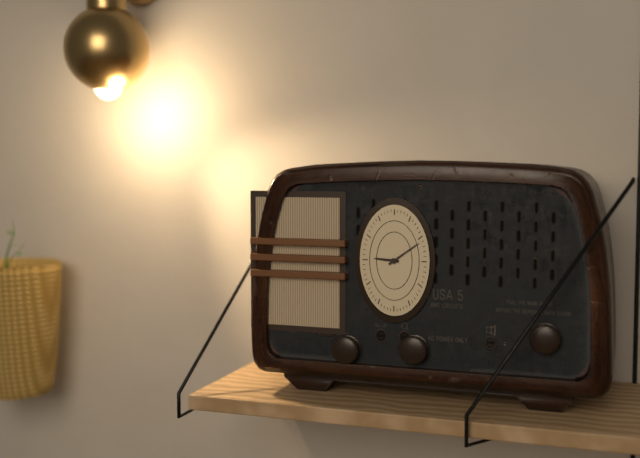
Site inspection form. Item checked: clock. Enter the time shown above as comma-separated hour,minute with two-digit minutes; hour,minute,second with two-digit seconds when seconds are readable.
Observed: 9,09
